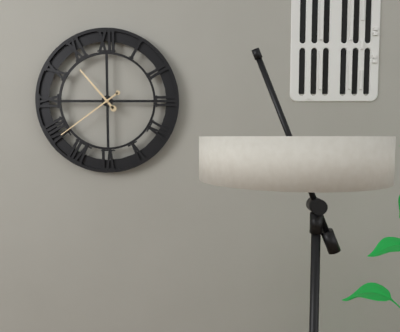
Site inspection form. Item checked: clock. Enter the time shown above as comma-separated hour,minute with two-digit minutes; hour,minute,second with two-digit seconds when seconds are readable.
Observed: 10,39
